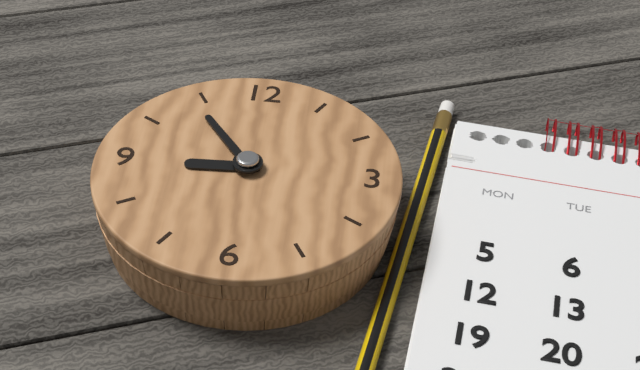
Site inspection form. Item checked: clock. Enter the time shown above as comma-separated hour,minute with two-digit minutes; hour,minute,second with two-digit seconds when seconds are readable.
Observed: 8,54
